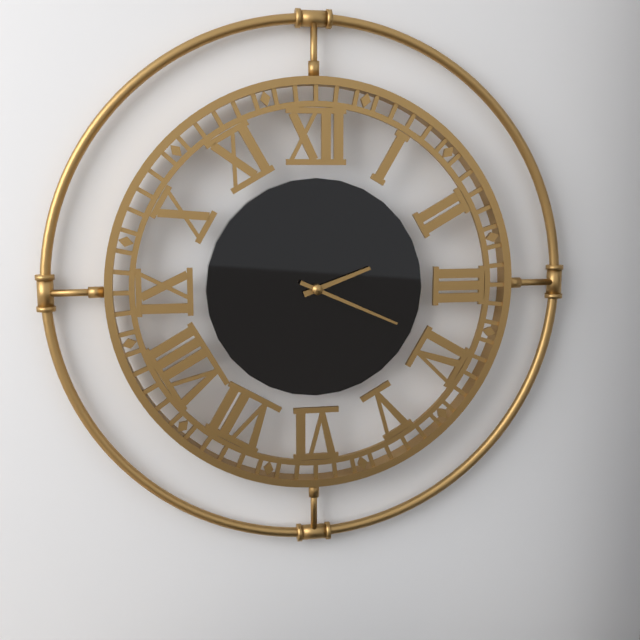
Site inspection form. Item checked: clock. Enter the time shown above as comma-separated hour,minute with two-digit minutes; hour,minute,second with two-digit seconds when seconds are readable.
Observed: 2,19
